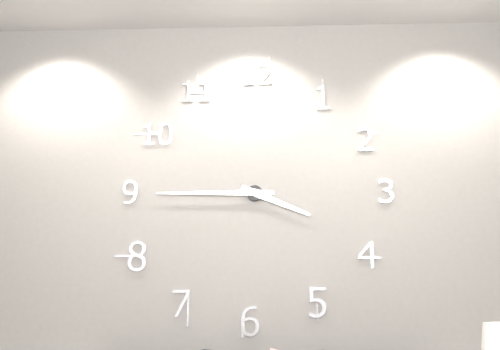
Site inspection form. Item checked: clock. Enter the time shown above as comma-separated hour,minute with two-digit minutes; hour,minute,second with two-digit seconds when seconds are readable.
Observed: 3,45
